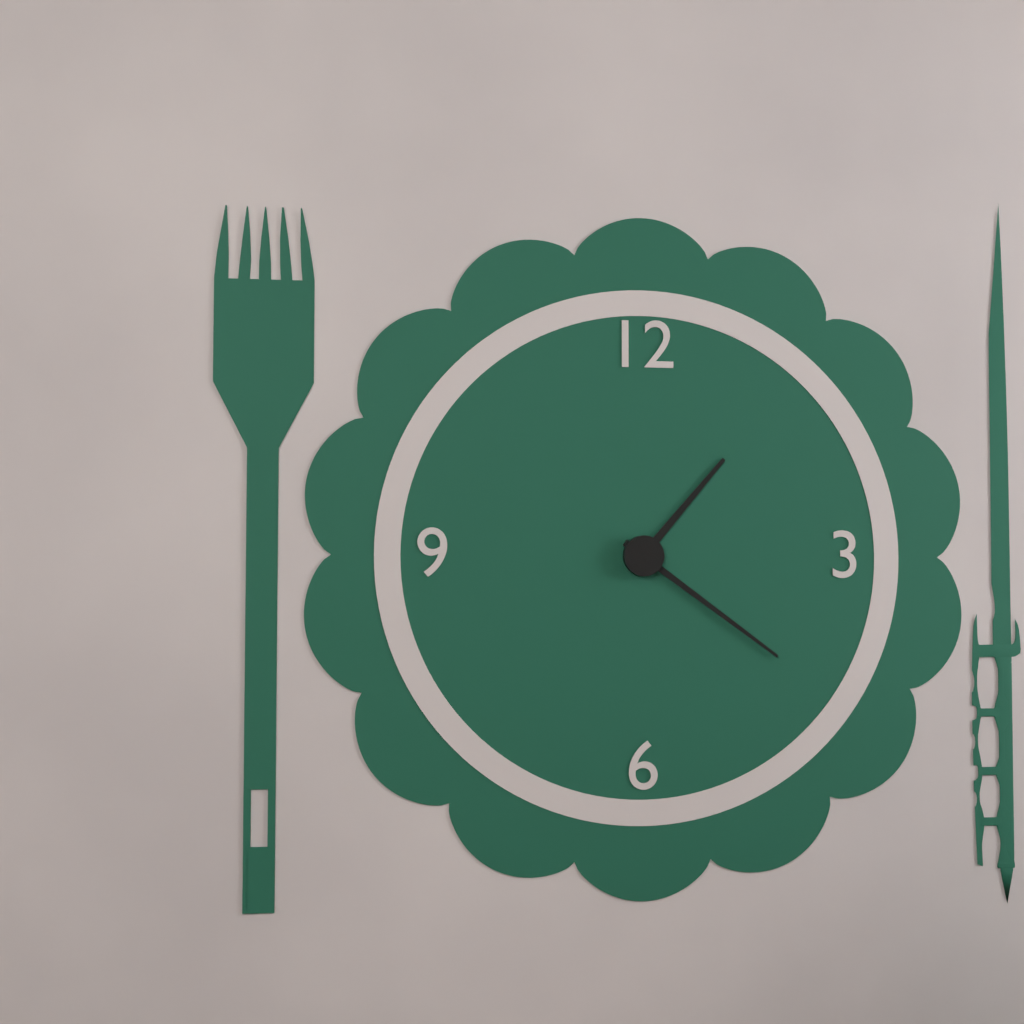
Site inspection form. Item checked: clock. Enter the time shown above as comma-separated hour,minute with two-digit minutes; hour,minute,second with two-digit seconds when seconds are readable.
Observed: 1,21
